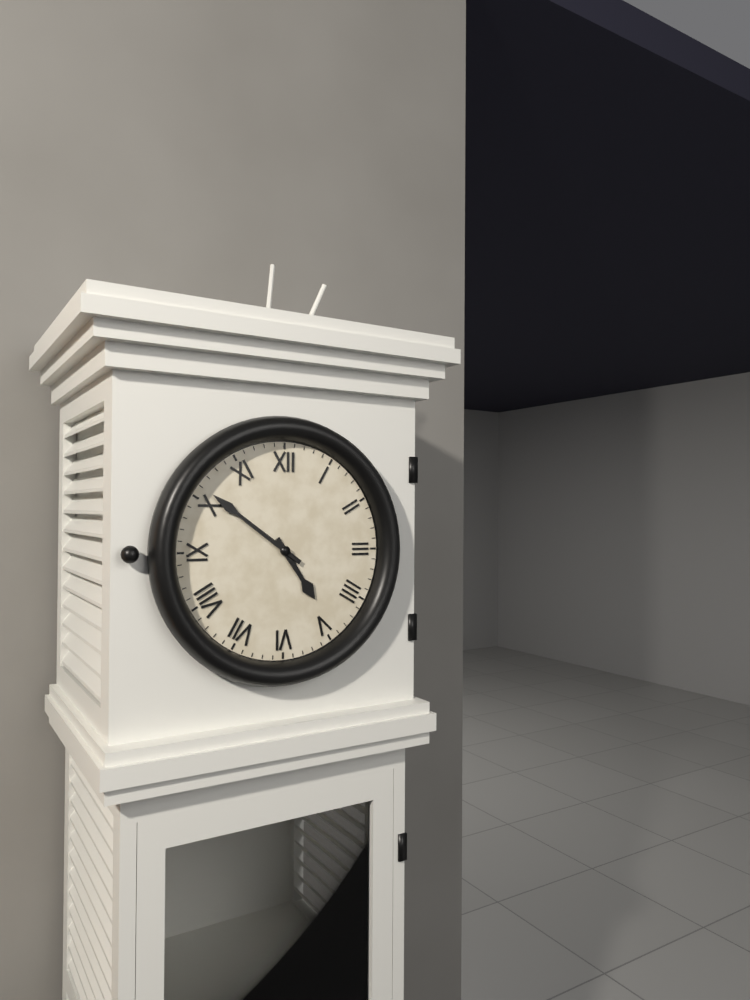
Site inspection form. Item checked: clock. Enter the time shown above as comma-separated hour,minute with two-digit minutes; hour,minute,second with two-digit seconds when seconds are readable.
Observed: 4,51
